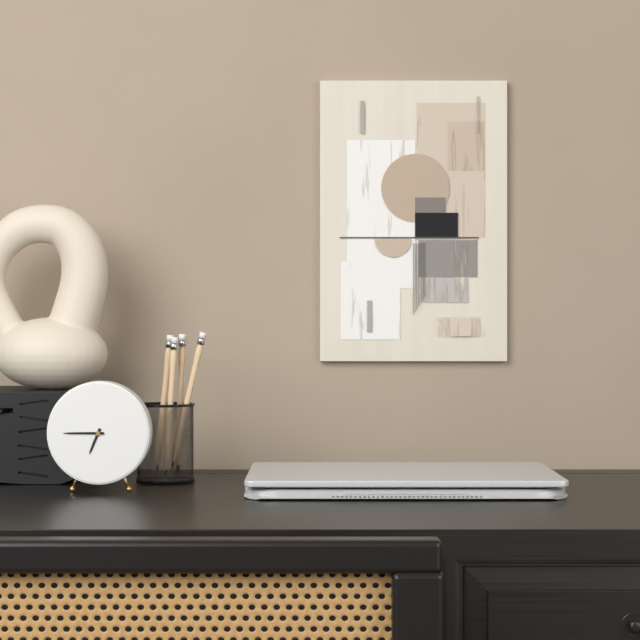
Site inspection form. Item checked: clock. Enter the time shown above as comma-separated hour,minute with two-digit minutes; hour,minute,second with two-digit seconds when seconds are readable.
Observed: 6,45
